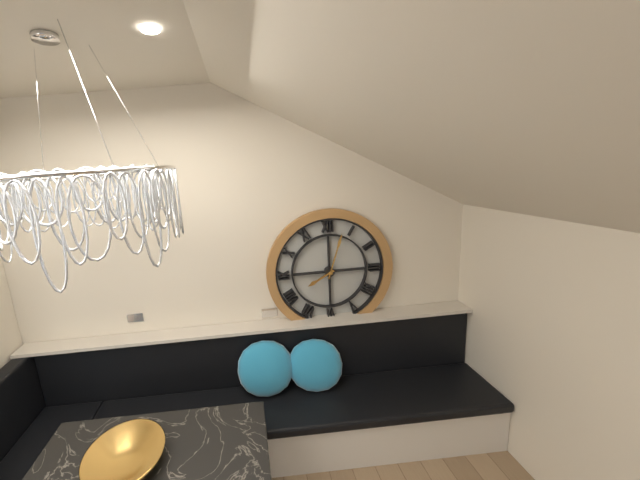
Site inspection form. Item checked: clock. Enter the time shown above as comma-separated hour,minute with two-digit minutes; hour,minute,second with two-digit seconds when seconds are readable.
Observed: 8,03
